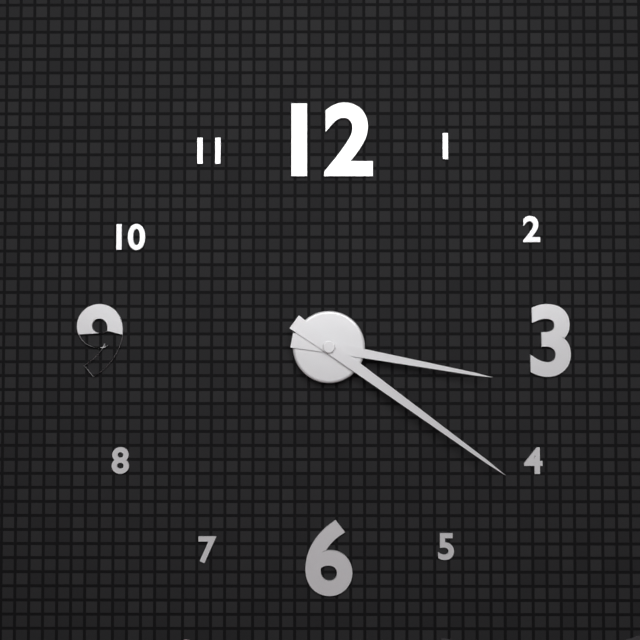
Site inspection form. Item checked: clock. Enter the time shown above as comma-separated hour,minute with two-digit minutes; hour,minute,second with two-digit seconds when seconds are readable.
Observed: 3,21
